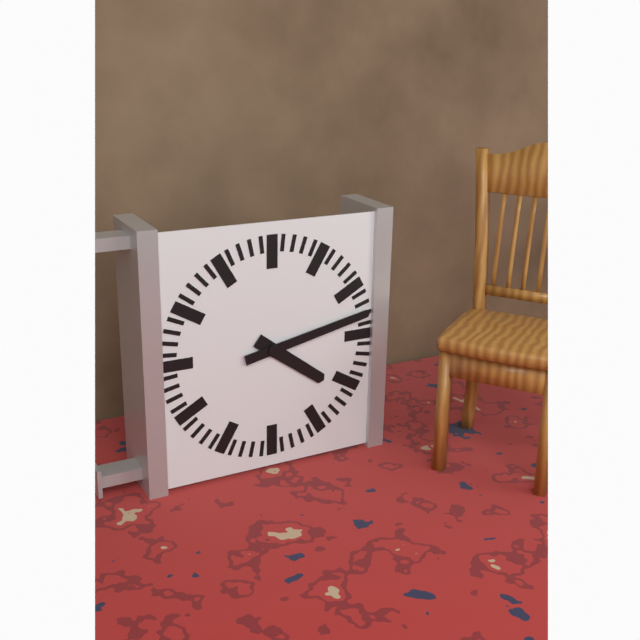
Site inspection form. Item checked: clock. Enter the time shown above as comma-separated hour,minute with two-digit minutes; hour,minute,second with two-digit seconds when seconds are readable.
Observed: 4,13
